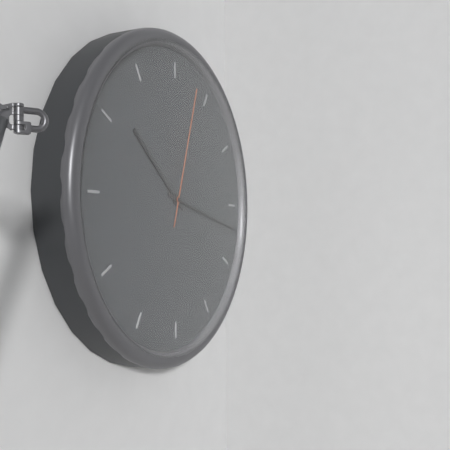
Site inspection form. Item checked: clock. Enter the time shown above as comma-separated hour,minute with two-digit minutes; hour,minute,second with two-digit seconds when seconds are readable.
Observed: 10,17,03
